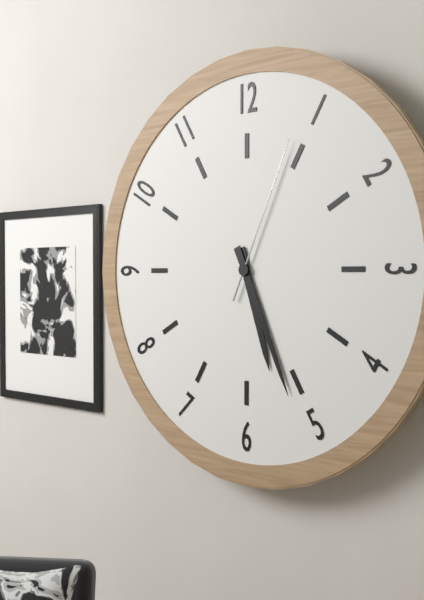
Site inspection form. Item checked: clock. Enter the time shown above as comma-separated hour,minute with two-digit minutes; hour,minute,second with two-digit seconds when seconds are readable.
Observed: 5,26,04
